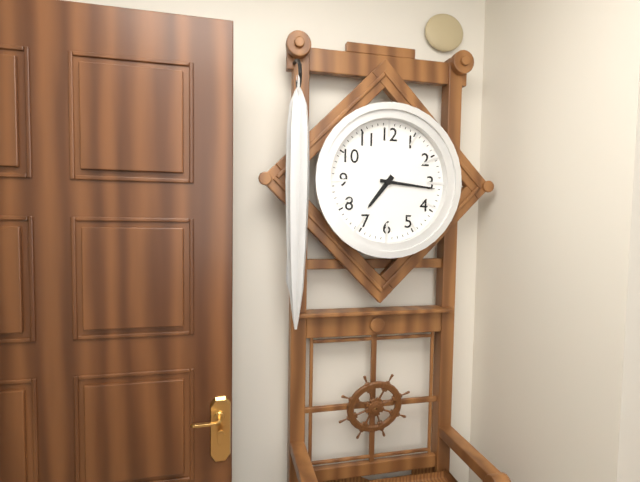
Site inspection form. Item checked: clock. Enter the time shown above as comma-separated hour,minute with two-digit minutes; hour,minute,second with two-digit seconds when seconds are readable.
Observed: 7,16
